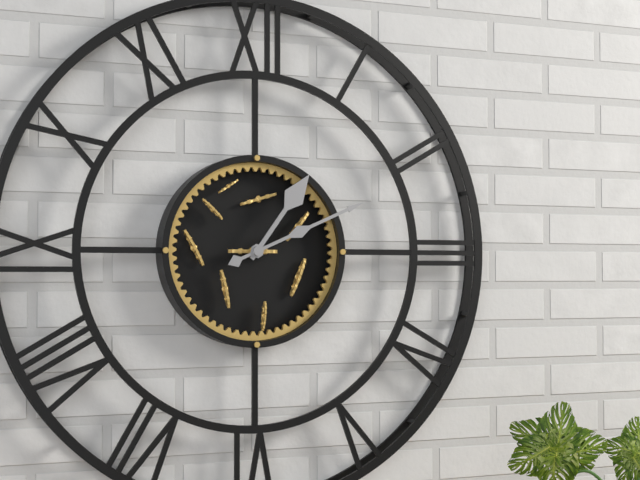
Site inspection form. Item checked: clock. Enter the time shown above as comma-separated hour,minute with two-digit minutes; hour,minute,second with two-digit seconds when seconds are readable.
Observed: 1,11
